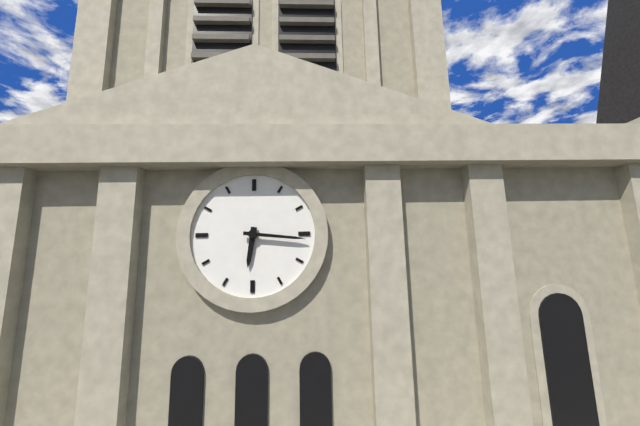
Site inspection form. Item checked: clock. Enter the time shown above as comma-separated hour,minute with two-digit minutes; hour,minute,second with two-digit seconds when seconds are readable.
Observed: 6,16
